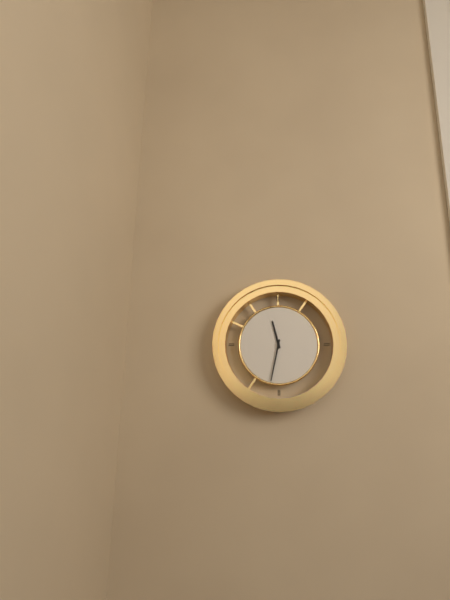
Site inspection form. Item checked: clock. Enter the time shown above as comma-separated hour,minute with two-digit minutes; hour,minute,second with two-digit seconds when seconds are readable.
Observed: 11,32
